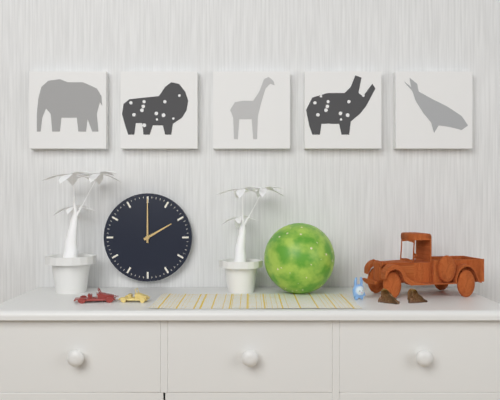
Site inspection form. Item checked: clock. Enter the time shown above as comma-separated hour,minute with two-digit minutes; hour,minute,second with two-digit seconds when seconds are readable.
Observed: 2,00
